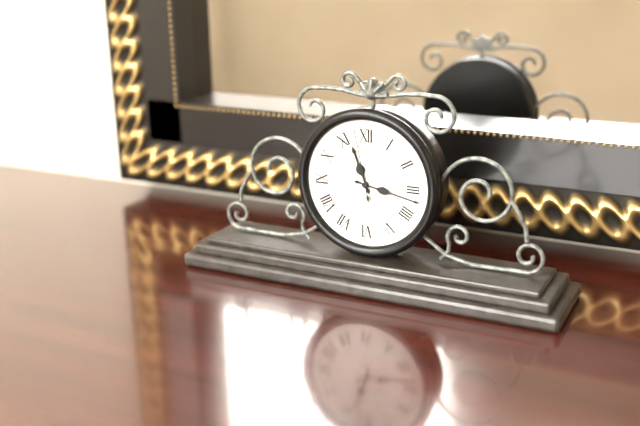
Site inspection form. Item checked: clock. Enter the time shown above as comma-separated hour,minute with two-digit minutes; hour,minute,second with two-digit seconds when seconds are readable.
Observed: 11,17,58
